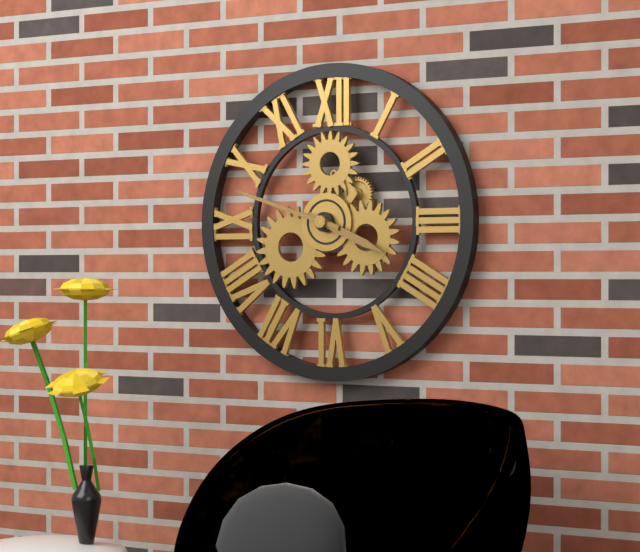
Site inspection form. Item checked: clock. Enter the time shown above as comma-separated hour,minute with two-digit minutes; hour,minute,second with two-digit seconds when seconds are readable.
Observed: 3,48
